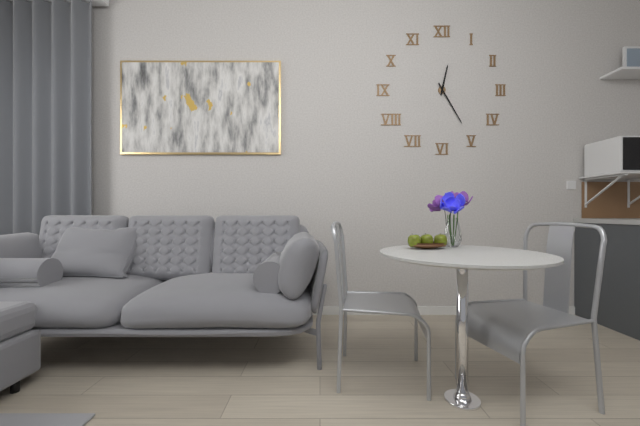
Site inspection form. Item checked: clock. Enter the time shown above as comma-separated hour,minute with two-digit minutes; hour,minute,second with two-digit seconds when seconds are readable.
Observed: 12,25
